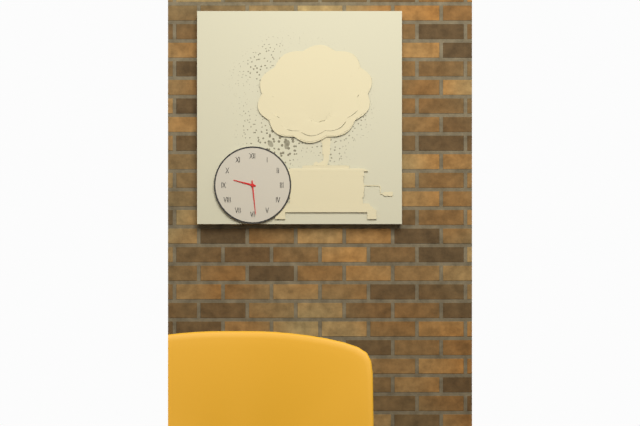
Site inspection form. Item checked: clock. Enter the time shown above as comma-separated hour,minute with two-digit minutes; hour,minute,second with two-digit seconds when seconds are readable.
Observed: 9,29
